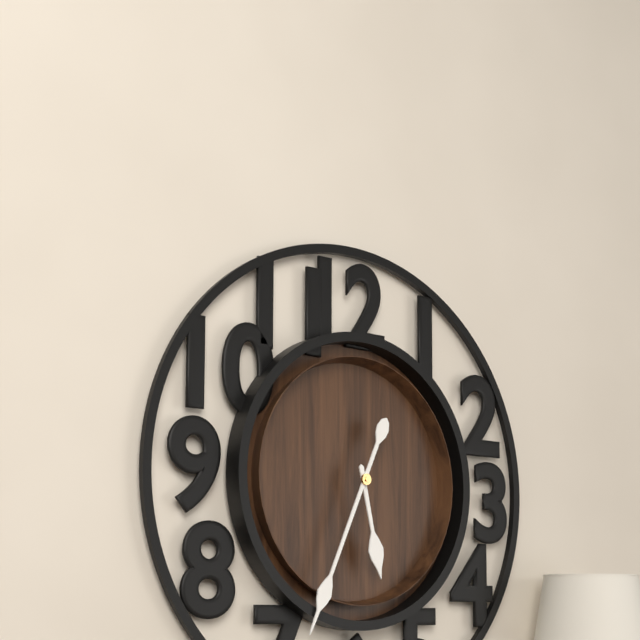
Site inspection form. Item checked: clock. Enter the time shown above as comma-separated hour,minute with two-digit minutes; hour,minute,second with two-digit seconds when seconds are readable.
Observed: 5,34
